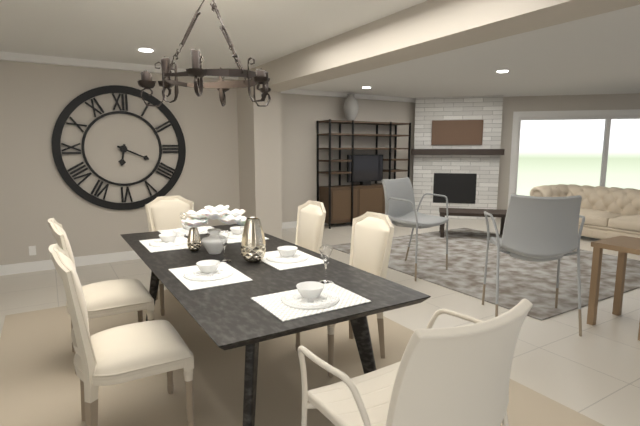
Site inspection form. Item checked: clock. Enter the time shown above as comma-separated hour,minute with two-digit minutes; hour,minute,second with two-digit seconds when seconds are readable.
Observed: 6,19
